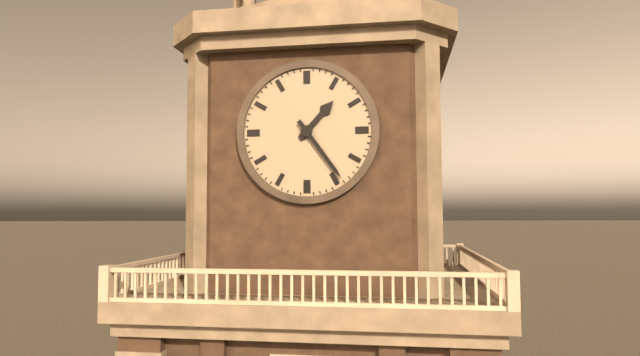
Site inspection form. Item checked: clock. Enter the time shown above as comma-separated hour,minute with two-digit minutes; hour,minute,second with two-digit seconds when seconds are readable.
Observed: 1,24
